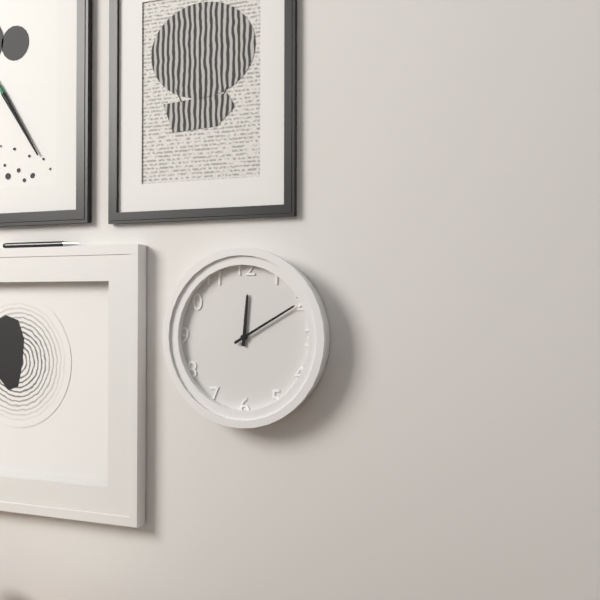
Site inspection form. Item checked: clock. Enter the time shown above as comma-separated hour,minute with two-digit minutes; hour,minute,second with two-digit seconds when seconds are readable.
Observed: 12,10
